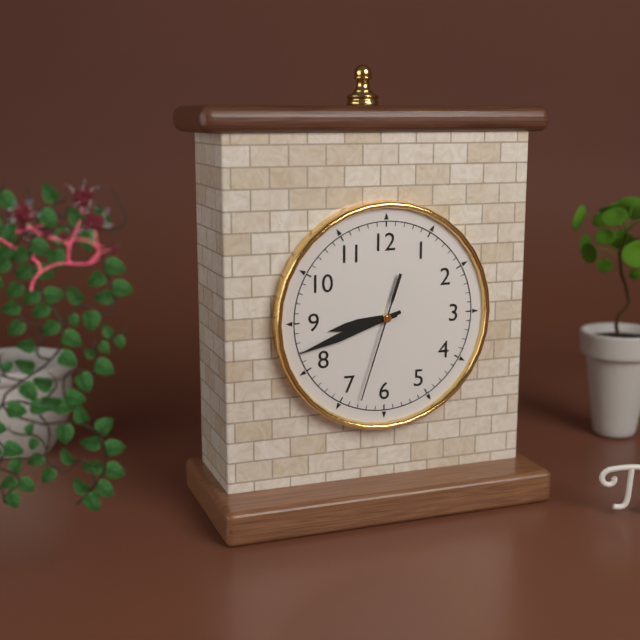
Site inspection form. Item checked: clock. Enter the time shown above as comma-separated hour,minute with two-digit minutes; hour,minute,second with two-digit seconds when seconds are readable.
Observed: 8,42,33
